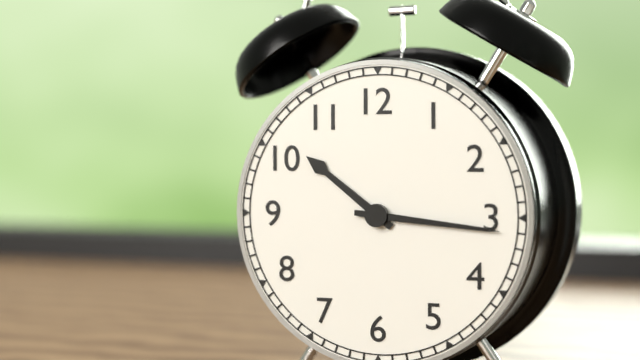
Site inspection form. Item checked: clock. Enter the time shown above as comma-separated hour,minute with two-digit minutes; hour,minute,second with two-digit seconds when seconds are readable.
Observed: 10,16
